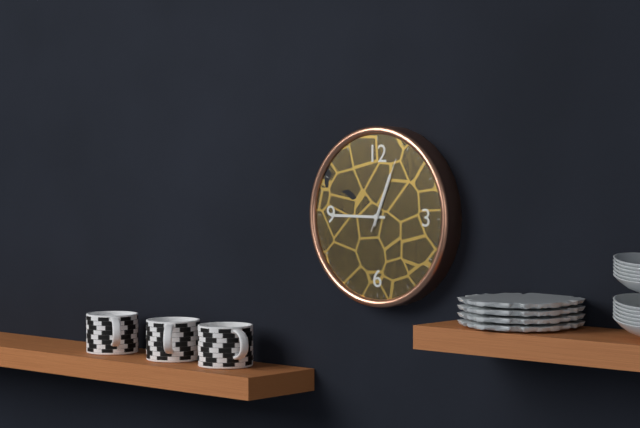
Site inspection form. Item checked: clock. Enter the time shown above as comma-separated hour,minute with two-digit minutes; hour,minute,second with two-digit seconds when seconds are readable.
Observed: 12,45,04
